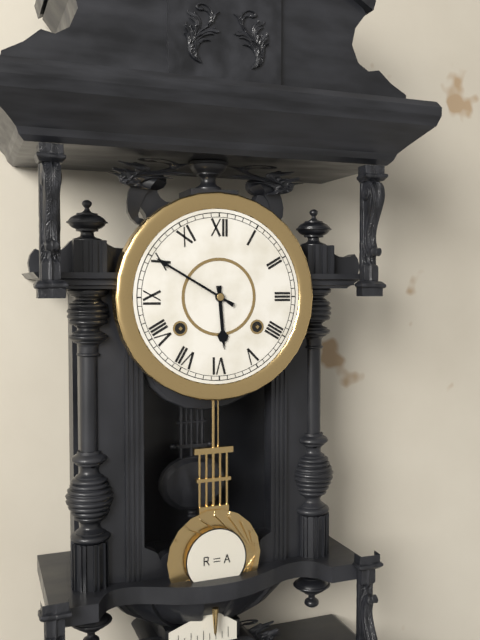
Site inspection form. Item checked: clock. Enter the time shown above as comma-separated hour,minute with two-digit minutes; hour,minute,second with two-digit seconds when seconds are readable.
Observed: 5,50
